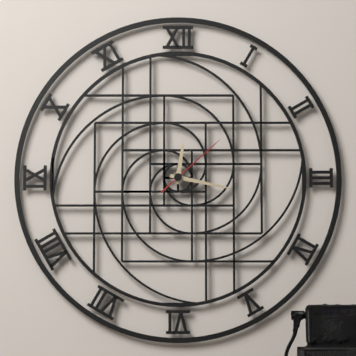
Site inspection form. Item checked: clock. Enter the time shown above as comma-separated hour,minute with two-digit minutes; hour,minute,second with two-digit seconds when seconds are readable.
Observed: 12,17,08
